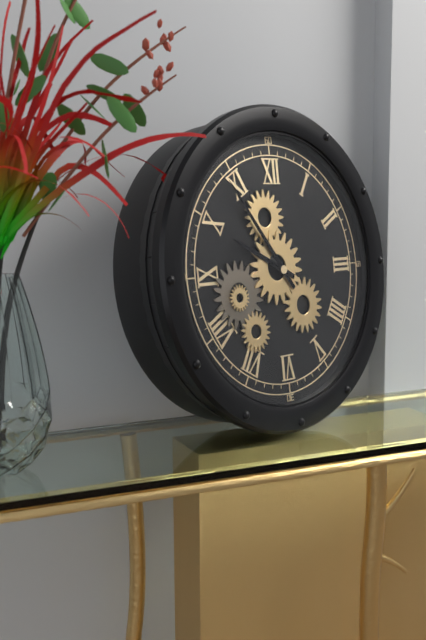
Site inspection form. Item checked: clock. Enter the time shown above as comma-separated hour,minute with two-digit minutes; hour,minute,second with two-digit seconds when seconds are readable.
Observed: 9,54
